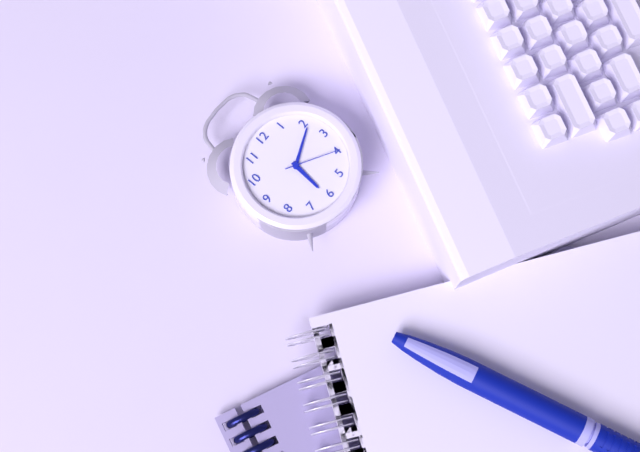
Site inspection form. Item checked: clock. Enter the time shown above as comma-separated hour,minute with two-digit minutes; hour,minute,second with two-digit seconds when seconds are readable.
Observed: 6,11,20
